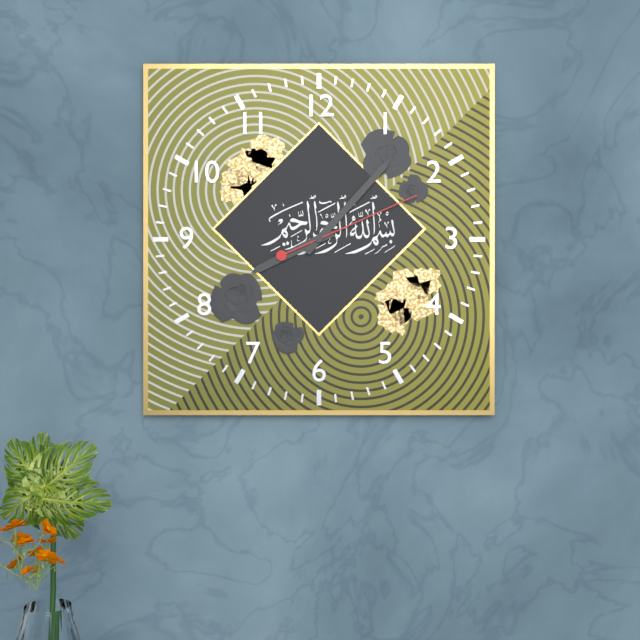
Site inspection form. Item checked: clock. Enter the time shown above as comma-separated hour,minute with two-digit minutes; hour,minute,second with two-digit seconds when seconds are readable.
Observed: 8,07,11
